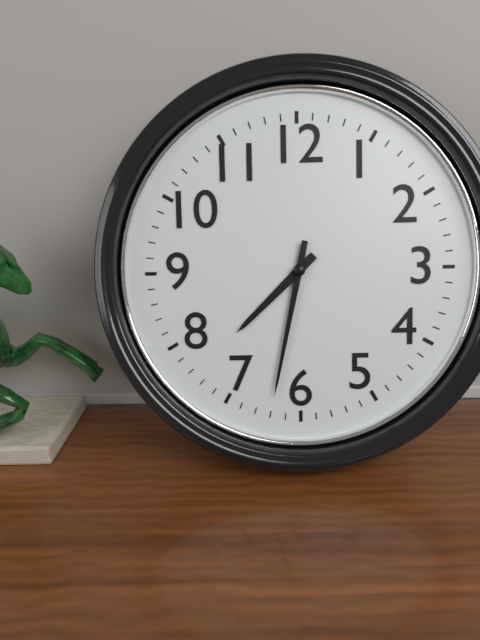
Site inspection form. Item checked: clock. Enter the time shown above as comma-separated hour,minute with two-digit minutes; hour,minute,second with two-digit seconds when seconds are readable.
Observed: 7,32
